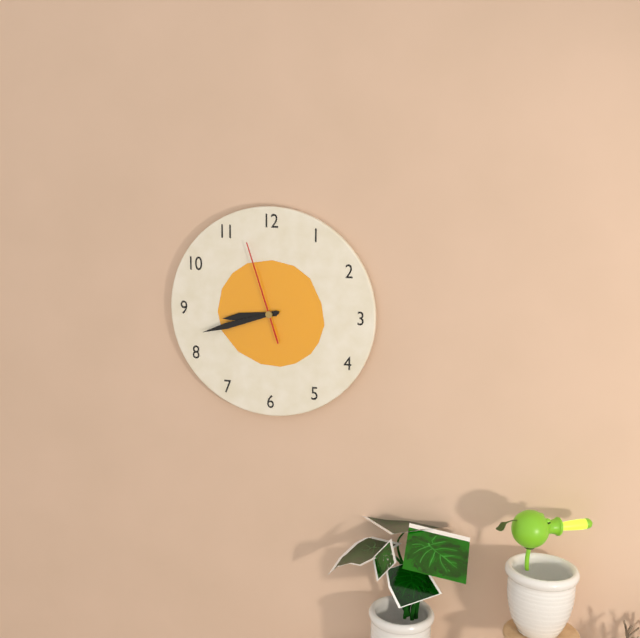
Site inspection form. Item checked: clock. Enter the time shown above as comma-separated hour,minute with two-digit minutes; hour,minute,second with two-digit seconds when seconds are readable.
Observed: 8,42,57
